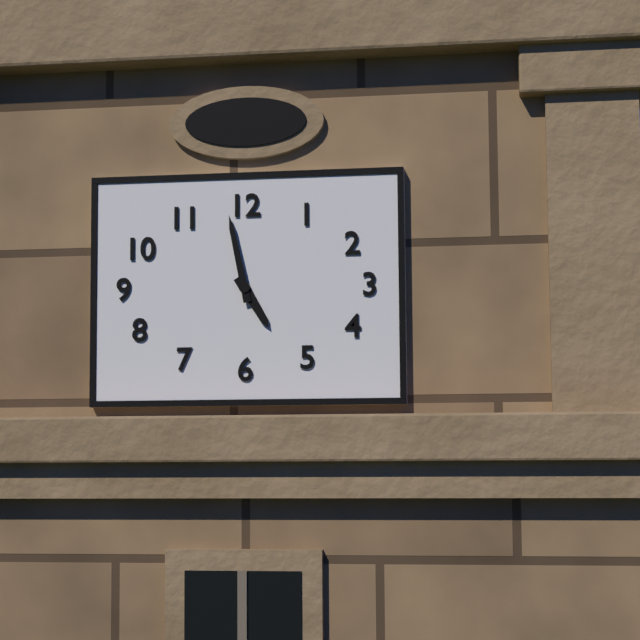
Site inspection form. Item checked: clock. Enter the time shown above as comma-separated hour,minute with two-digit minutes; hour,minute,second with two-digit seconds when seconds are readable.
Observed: 4,58
